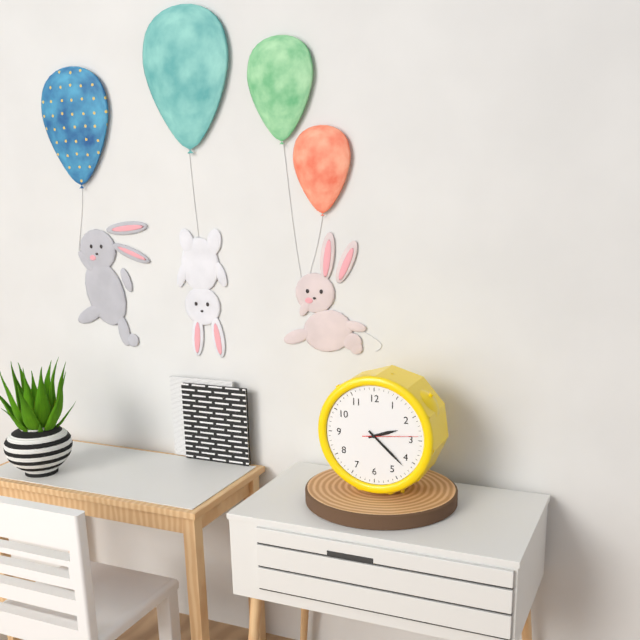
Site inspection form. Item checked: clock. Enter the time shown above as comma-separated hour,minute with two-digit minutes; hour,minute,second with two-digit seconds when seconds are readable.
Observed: 2,22,14
